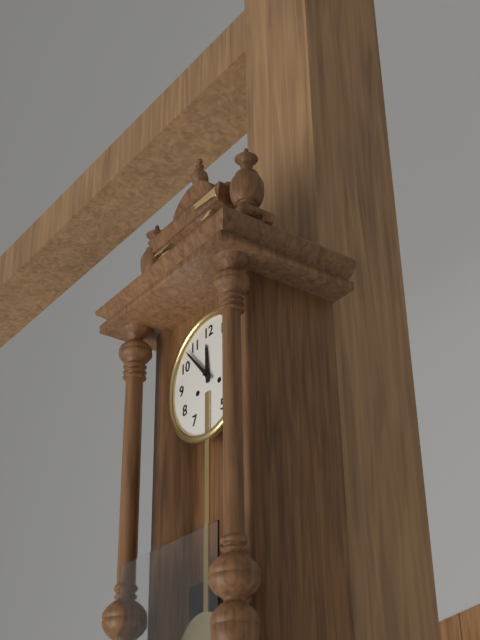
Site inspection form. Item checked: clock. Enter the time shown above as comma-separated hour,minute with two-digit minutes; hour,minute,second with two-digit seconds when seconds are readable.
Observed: 11,53
